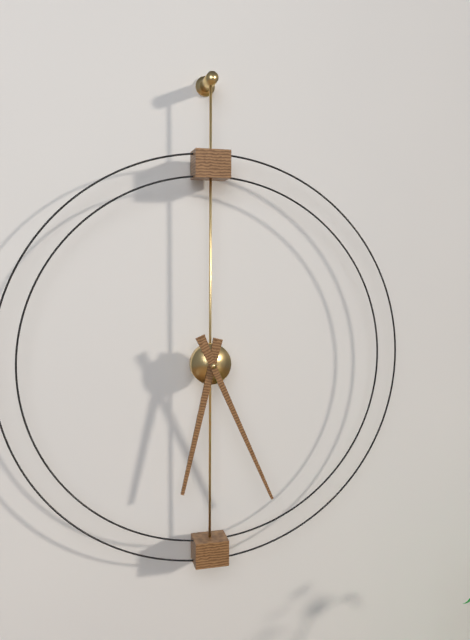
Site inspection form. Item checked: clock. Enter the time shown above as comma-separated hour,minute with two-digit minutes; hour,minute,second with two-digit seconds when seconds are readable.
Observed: 6,26
